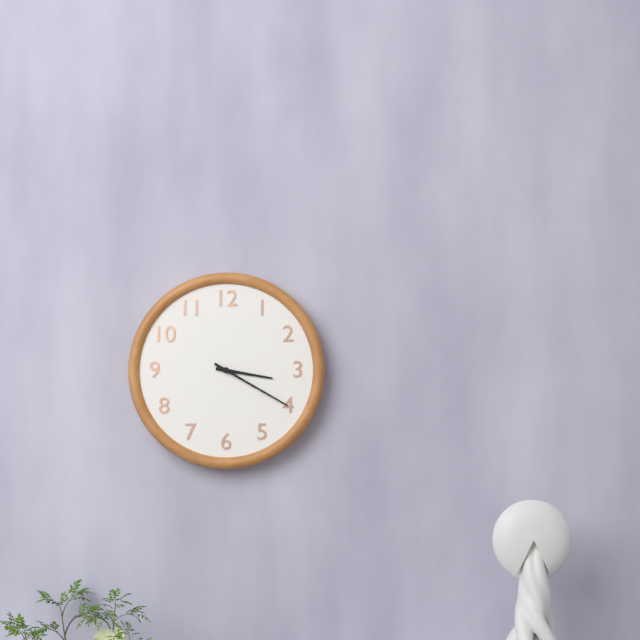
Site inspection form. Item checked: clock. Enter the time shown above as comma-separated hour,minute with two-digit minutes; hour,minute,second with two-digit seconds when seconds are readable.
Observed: 3,20
